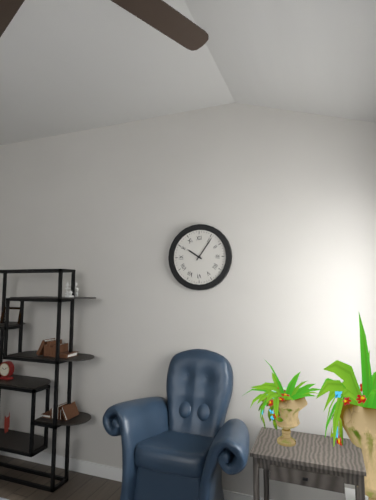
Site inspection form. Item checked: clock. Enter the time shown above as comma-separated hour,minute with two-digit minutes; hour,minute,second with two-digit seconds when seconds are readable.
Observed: 10,06
